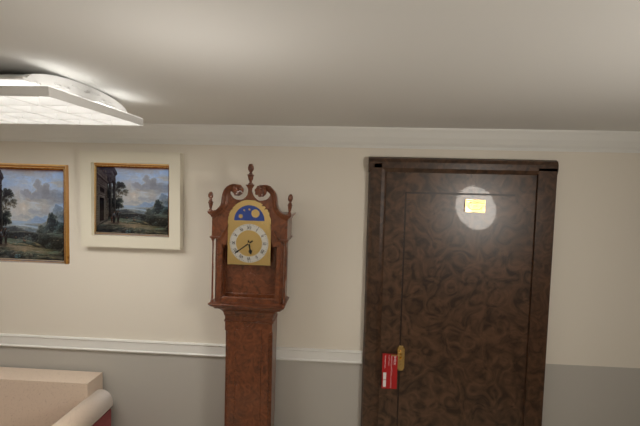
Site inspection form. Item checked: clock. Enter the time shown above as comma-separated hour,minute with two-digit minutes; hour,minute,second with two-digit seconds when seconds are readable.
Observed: 5,39
